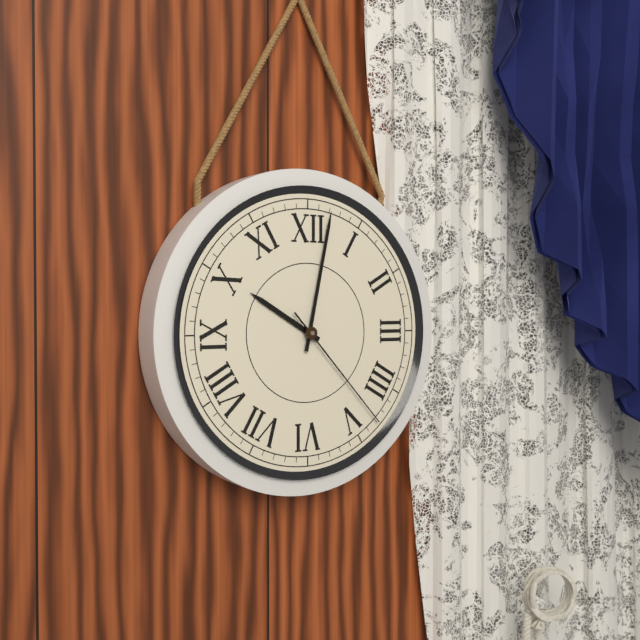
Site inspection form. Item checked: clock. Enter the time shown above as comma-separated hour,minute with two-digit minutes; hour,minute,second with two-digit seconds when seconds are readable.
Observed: 10,02,23
